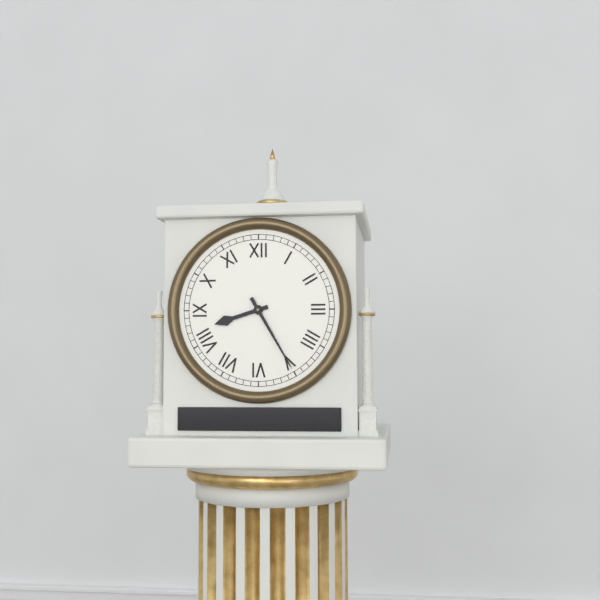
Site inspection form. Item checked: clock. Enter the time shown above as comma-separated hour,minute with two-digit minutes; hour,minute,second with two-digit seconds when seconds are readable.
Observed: 8,25
